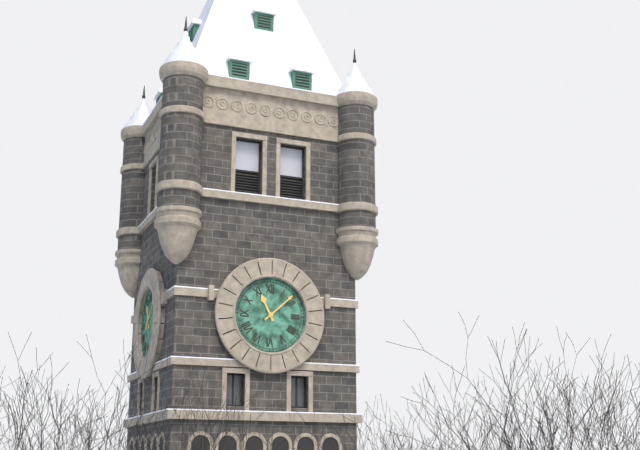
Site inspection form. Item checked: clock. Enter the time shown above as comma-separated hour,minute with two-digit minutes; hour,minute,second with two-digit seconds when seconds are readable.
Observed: 11,08
